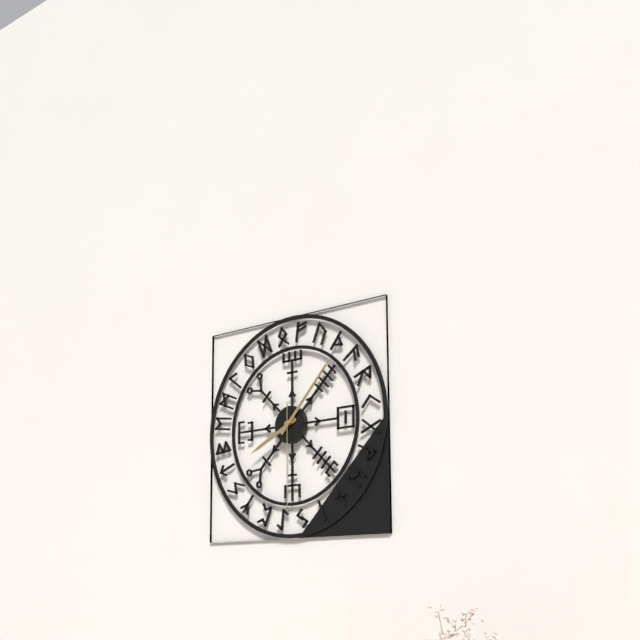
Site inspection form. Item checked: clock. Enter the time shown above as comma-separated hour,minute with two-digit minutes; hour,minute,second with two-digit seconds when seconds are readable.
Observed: 8,07,30
